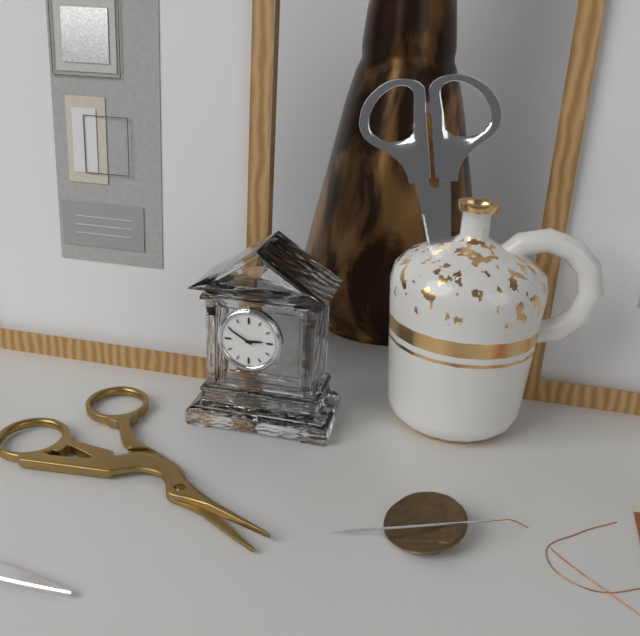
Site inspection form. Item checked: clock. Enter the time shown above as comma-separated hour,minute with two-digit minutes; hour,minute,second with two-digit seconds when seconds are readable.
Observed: 2,50
